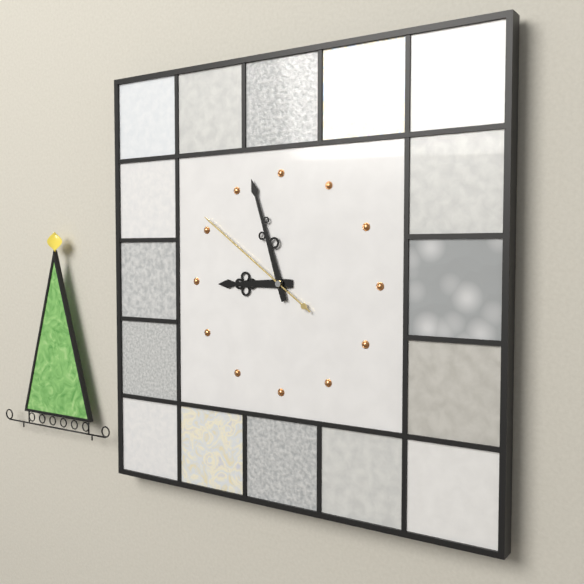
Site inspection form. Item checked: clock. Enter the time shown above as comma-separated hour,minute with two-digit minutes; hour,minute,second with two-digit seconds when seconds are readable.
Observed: 8,57,51
